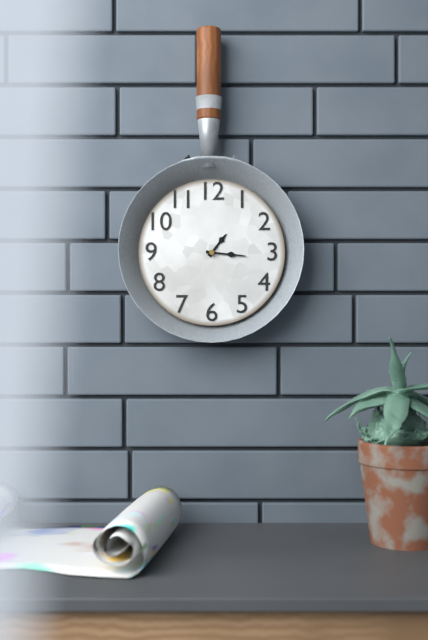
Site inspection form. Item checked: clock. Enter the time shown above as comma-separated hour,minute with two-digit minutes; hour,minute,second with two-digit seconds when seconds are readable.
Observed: 1,16
